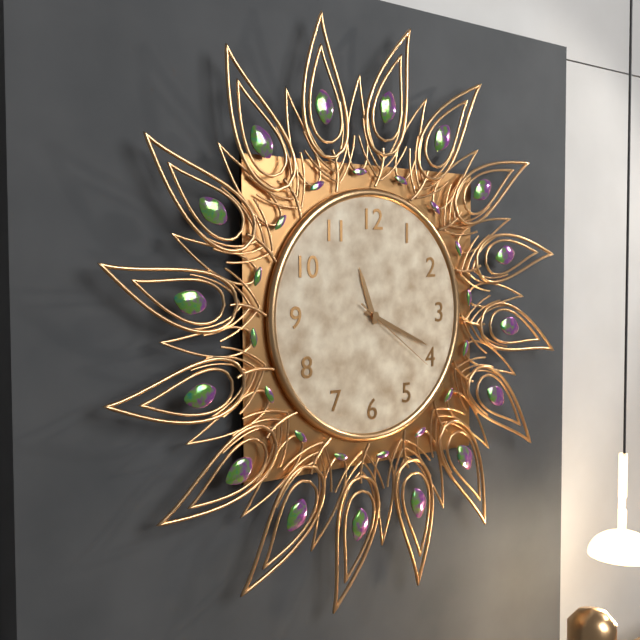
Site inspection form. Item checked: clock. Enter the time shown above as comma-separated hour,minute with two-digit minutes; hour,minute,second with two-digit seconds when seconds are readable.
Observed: 11,19,21
